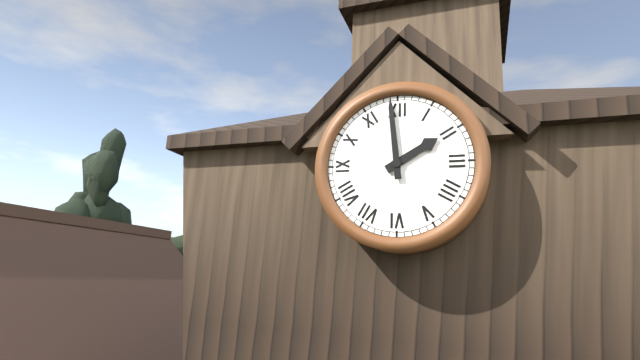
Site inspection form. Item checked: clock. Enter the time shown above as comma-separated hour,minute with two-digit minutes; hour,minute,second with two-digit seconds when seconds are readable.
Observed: 1,59
